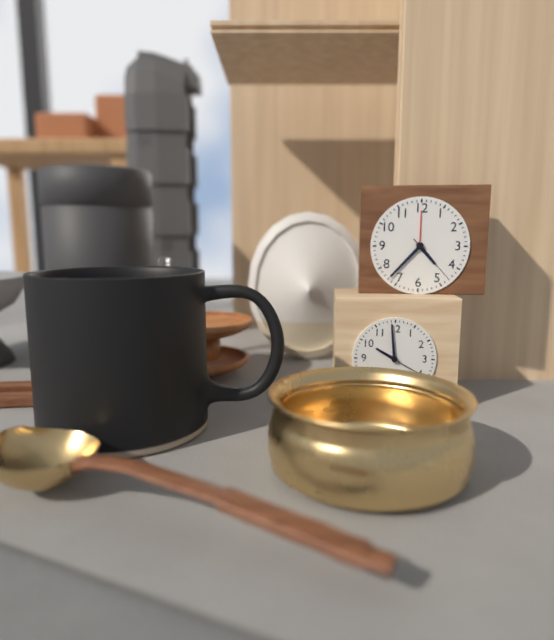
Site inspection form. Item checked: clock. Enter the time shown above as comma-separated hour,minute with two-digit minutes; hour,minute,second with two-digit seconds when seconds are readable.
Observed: 4,37,23
